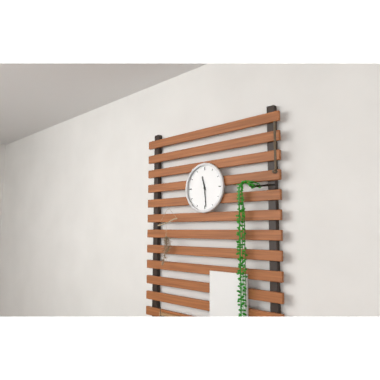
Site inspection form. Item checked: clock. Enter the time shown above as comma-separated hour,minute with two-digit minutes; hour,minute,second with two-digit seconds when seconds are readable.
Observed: 11,29
